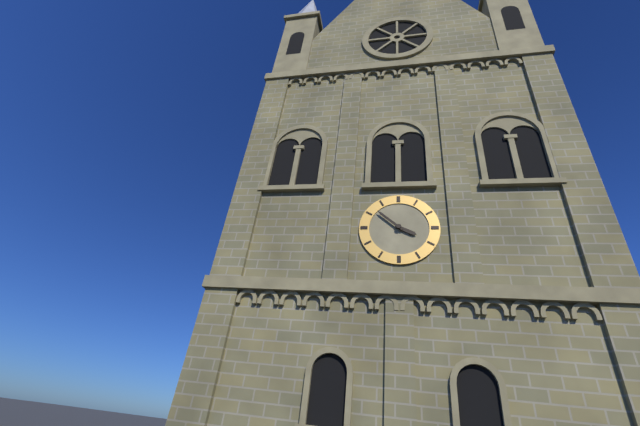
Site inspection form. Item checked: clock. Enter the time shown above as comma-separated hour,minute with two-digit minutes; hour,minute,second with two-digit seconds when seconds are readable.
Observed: 3,52
